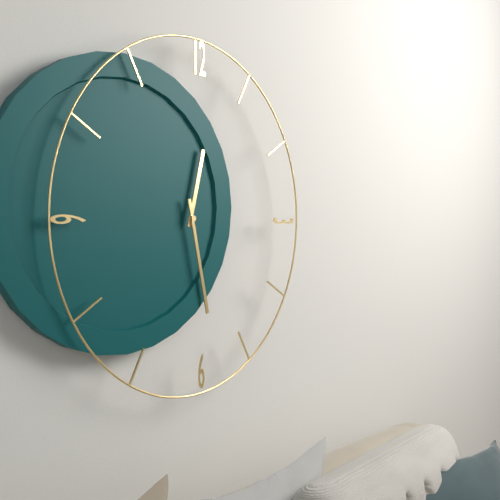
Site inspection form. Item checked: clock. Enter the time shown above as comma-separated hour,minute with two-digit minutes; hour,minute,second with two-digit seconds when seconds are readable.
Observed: 12,28
